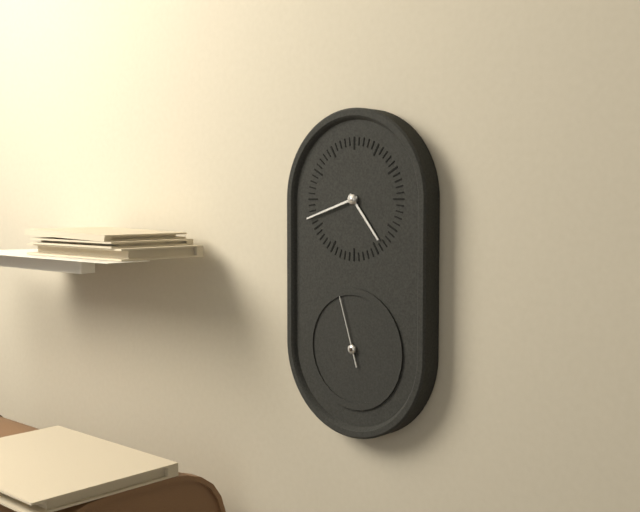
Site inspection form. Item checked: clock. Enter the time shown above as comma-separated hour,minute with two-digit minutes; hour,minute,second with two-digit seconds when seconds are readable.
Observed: 4,42,57
